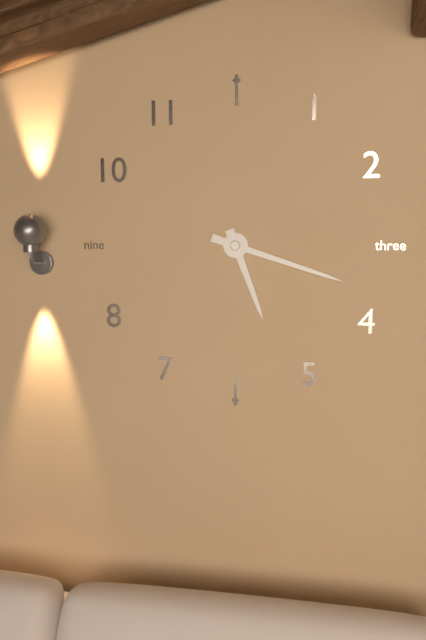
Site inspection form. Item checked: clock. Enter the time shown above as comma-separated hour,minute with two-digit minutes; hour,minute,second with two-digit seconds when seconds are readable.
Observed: 5,18
